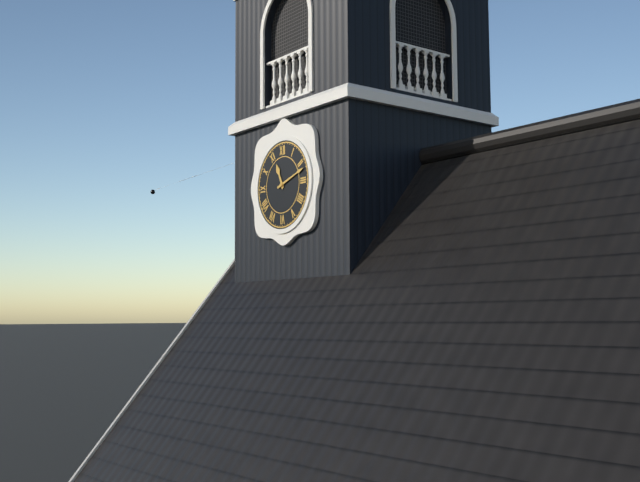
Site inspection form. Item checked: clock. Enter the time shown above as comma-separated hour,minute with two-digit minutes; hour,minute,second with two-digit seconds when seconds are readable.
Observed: 11,12
